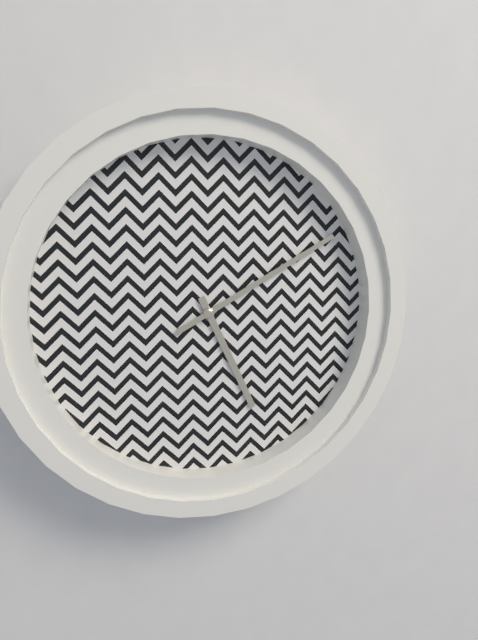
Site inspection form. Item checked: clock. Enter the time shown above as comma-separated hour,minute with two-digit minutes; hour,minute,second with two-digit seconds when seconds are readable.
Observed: 5,10
